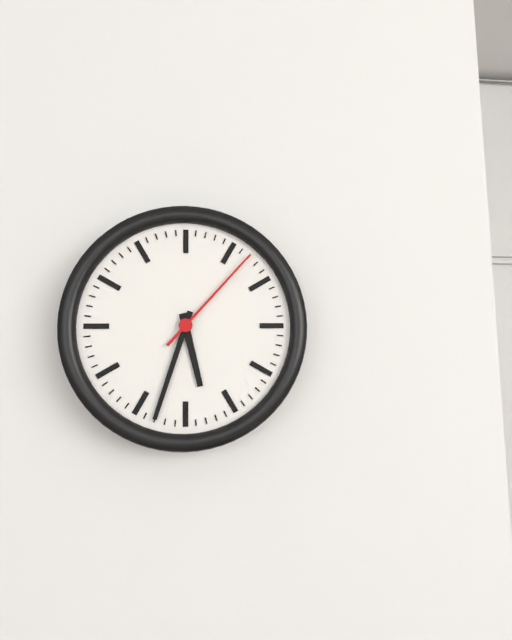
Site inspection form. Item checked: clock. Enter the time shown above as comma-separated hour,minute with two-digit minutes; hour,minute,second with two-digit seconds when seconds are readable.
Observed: 5,33,07
